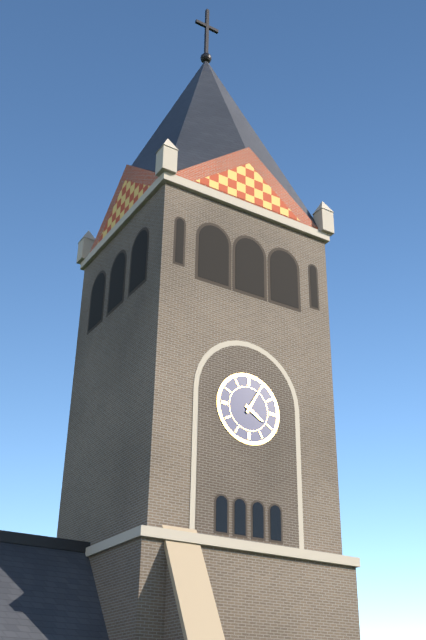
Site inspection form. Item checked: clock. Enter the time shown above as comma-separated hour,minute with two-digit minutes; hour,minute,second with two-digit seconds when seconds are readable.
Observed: 4,05
